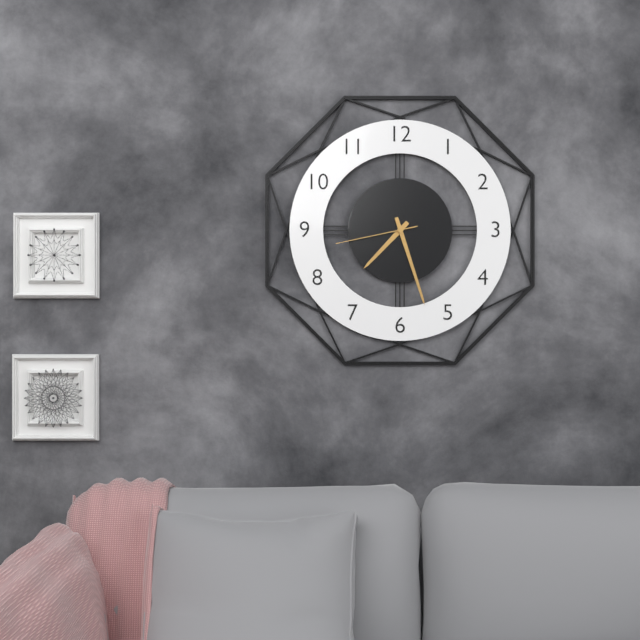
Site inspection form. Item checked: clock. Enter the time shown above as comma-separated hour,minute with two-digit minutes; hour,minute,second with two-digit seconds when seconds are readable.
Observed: 7,27,43
